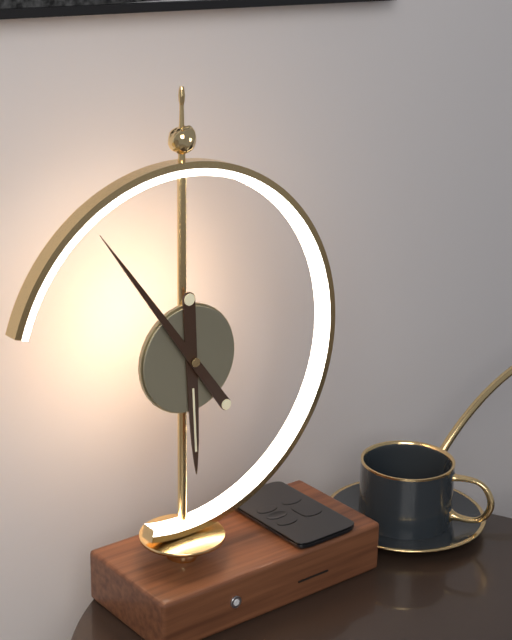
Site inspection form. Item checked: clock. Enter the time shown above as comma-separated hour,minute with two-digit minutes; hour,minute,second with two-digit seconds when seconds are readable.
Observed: 5,54
